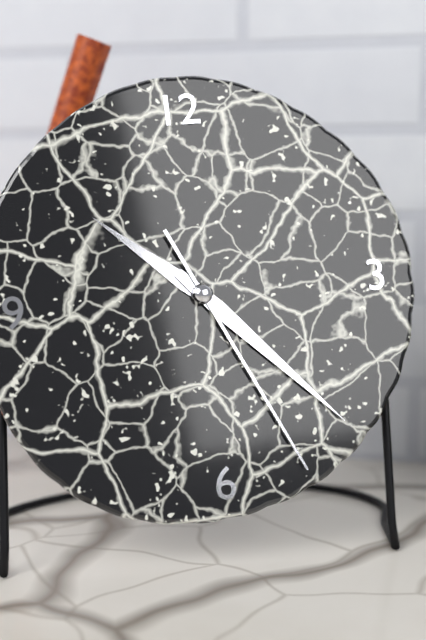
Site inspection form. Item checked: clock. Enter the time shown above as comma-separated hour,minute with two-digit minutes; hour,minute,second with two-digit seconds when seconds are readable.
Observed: 10,23,26
